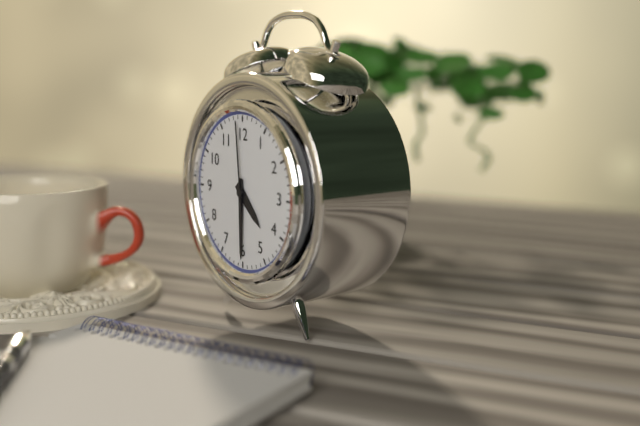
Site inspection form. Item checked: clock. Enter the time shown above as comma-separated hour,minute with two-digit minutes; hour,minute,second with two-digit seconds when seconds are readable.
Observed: 4,30,59
